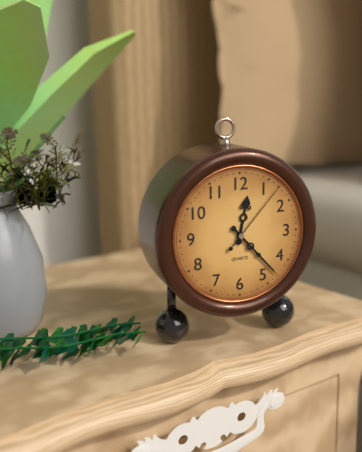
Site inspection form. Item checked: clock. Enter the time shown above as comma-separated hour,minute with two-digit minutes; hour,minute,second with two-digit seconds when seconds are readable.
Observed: 12,23,07
